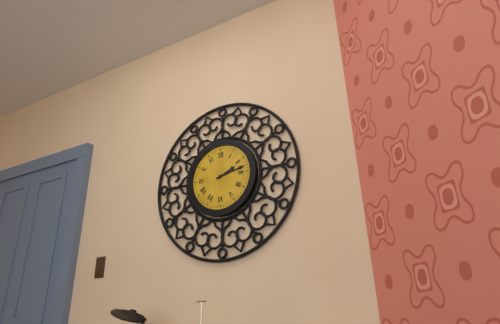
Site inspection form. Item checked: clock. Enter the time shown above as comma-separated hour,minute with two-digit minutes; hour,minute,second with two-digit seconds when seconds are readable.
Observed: 2,13
